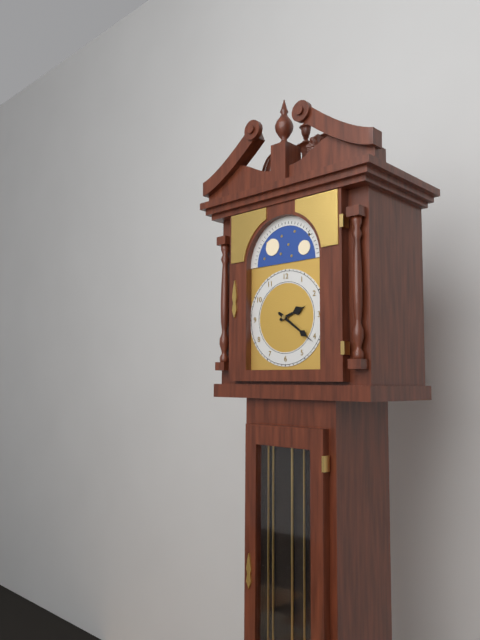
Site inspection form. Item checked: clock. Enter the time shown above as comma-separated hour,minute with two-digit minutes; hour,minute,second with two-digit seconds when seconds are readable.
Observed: 2,21
